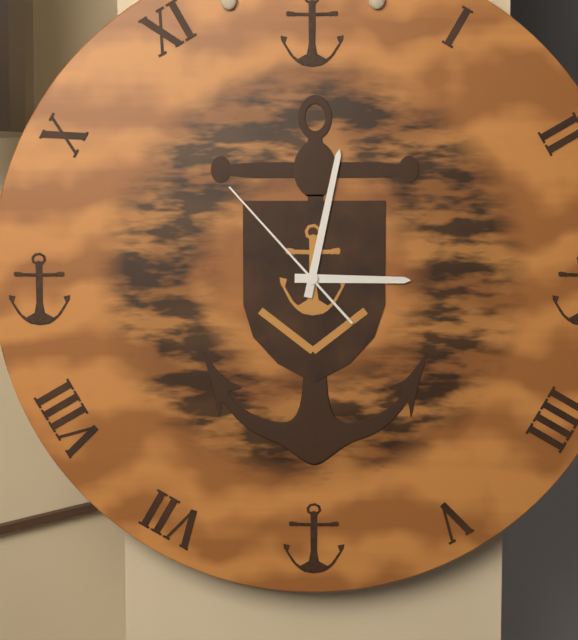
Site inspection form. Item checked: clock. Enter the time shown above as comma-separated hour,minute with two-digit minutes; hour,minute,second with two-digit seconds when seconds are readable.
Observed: 3,02,53
